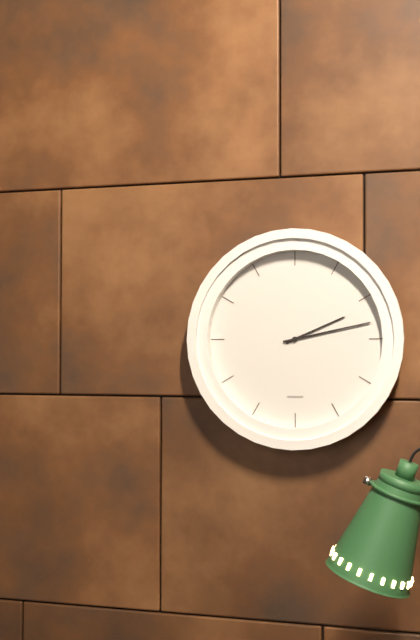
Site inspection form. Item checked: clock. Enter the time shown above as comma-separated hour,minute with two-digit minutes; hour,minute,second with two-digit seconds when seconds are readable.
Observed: 2,13
